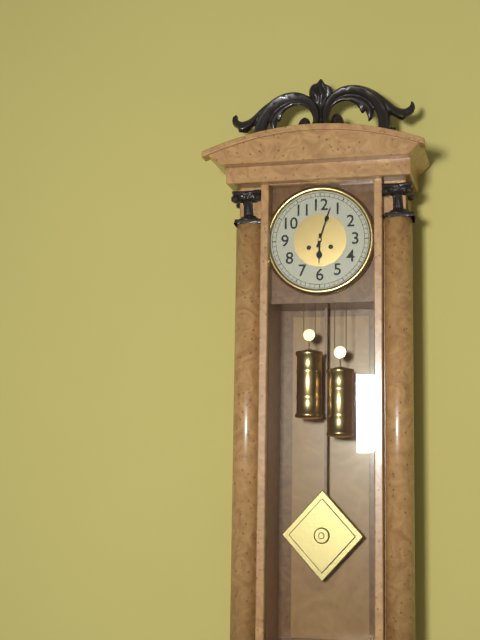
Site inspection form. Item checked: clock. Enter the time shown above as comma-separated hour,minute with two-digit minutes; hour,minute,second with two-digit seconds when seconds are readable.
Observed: 6,03
